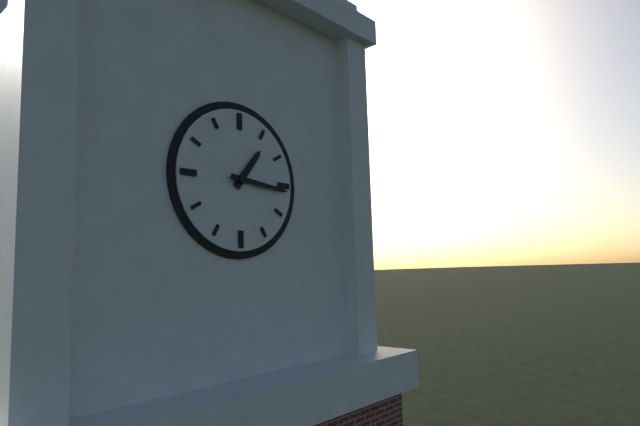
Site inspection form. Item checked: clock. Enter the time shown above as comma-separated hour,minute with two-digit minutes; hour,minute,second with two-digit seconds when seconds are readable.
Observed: 1,16
